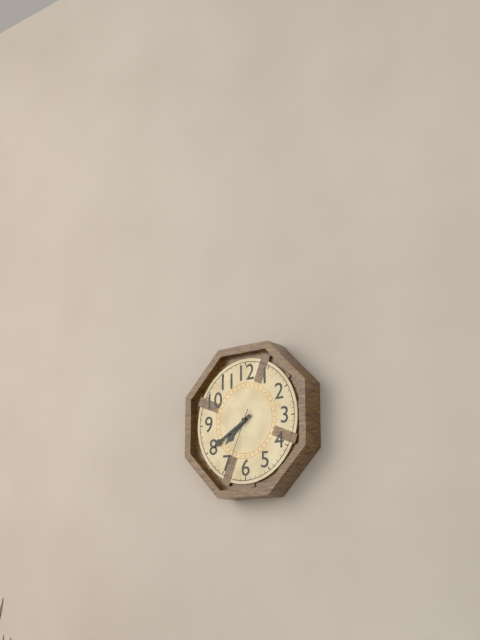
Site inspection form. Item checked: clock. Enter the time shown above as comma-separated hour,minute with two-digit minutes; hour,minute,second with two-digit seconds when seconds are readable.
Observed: 7,40,34
